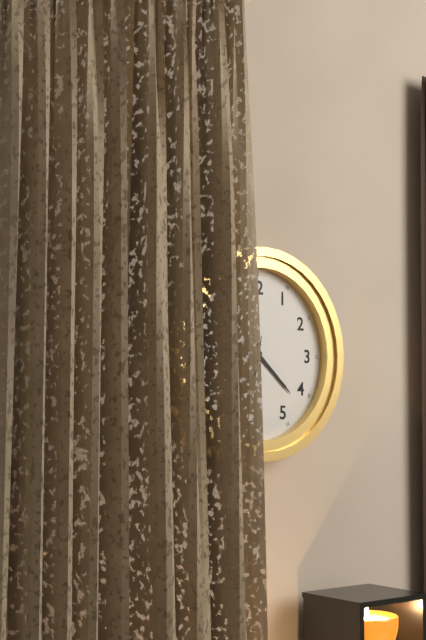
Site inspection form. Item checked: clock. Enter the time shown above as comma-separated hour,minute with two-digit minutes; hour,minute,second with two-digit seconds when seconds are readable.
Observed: 6,22,32
